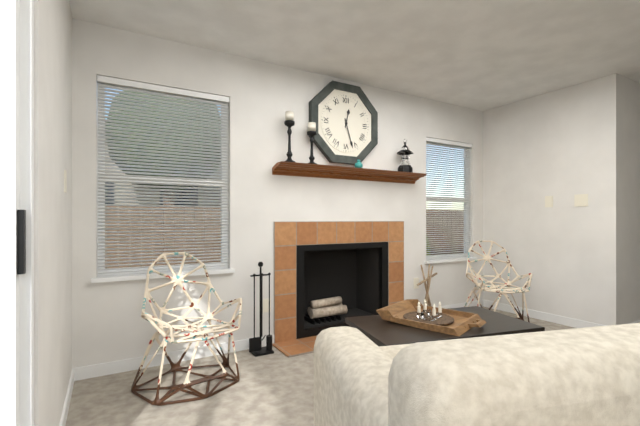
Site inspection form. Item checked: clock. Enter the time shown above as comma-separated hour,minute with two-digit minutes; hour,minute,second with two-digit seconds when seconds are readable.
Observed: 12,27
